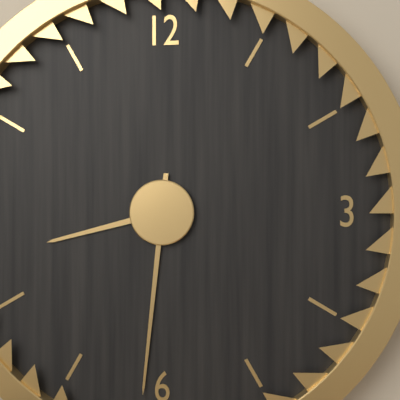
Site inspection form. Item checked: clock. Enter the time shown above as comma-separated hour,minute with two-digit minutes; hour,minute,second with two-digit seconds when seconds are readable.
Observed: 8,31
